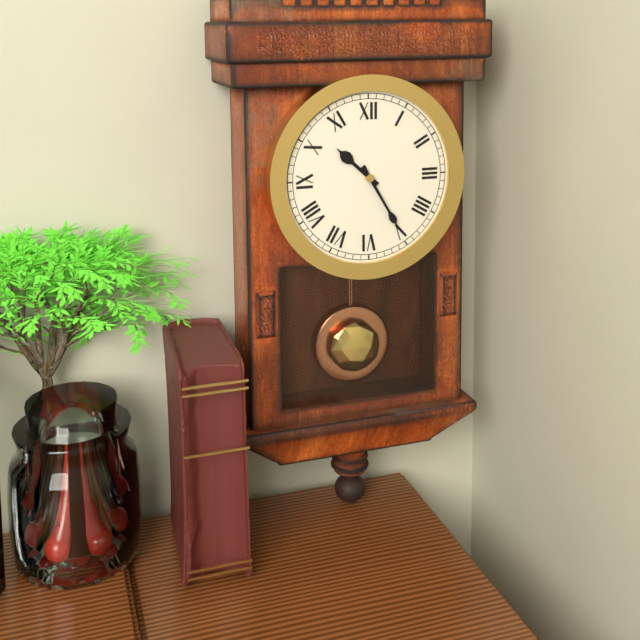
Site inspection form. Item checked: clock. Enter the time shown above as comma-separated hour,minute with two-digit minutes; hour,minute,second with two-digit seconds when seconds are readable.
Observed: 10,25
